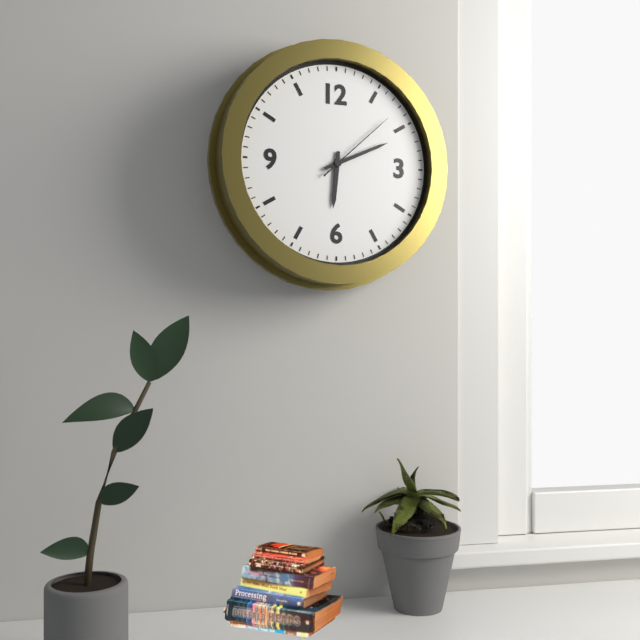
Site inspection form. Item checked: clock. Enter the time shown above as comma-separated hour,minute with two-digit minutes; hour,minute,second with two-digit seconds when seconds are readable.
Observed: 6,11,08
